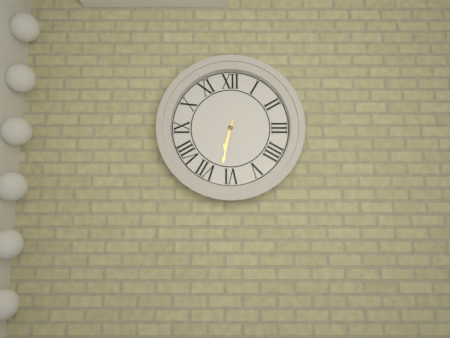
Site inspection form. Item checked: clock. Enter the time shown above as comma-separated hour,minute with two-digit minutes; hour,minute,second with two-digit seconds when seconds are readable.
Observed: 6,32
